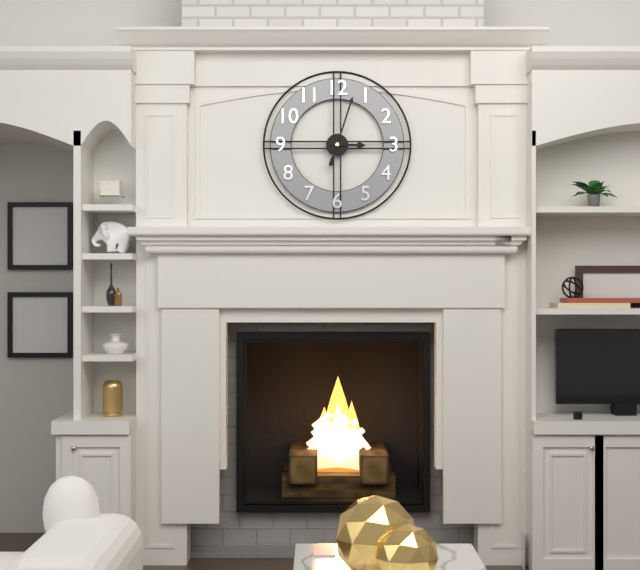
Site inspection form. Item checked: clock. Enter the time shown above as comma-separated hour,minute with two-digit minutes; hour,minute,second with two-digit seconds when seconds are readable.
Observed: 3,03
